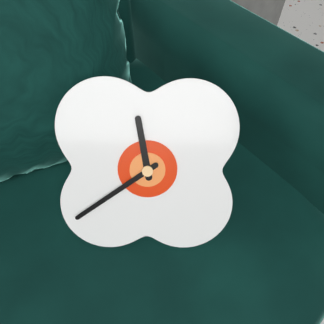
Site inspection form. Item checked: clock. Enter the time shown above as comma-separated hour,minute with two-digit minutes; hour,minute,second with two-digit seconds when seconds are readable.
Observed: 11,39
